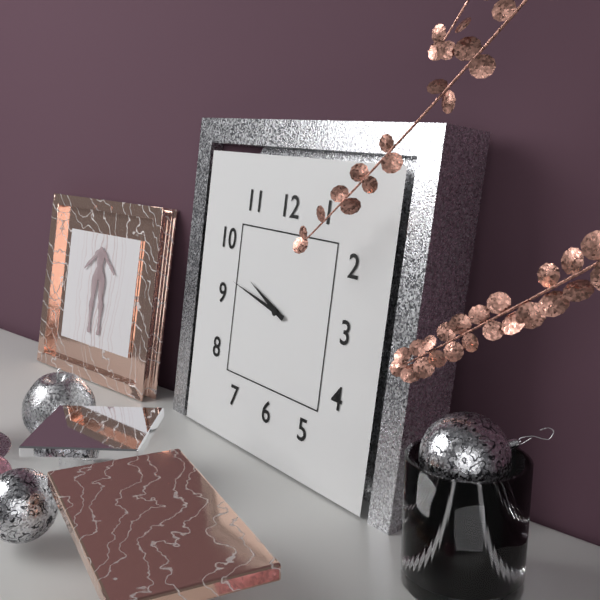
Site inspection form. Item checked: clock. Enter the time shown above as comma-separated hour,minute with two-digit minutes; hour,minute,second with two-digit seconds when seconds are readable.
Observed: 9,47
